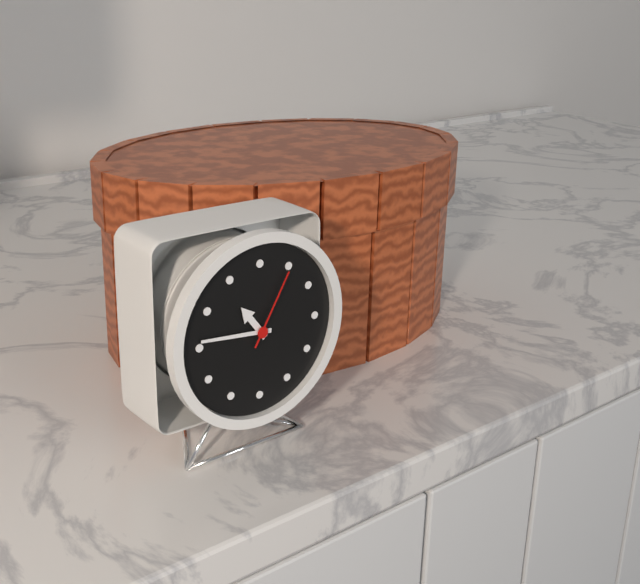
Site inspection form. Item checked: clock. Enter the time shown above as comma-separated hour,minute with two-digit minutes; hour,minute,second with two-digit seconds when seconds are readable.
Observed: 10,46,05
